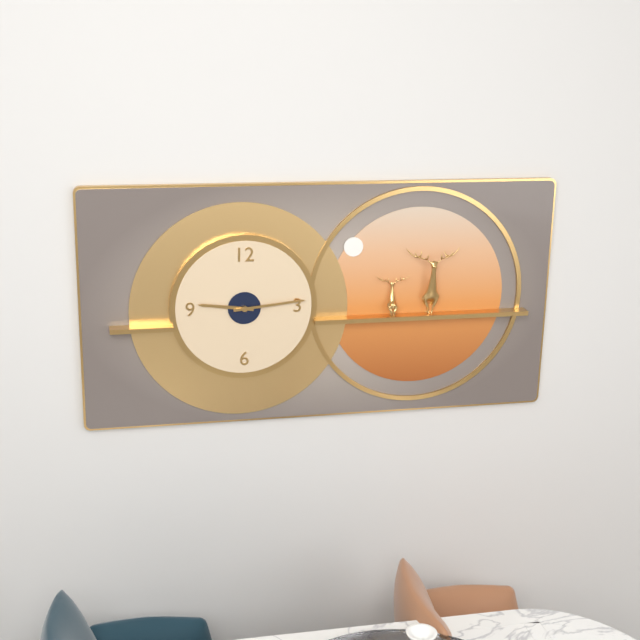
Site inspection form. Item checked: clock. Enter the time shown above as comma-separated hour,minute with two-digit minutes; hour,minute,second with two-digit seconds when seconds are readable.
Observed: 9,14
